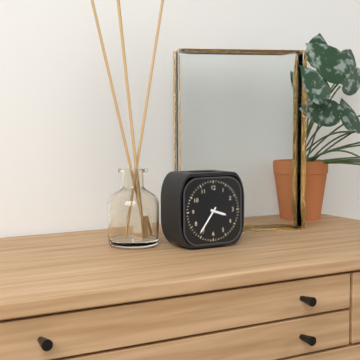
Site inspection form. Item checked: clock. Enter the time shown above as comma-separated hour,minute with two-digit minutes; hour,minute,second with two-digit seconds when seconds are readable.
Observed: 3,36
